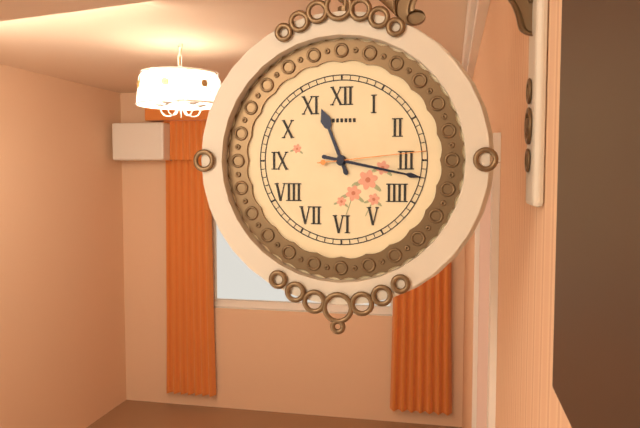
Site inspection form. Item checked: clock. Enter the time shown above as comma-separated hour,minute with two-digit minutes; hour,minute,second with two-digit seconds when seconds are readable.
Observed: 11,17,14
